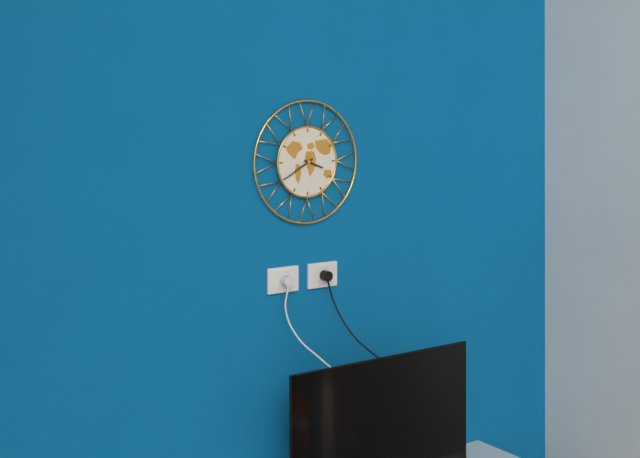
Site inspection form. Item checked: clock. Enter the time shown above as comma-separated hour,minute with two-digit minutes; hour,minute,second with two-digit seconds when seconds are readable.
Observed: 3,40
